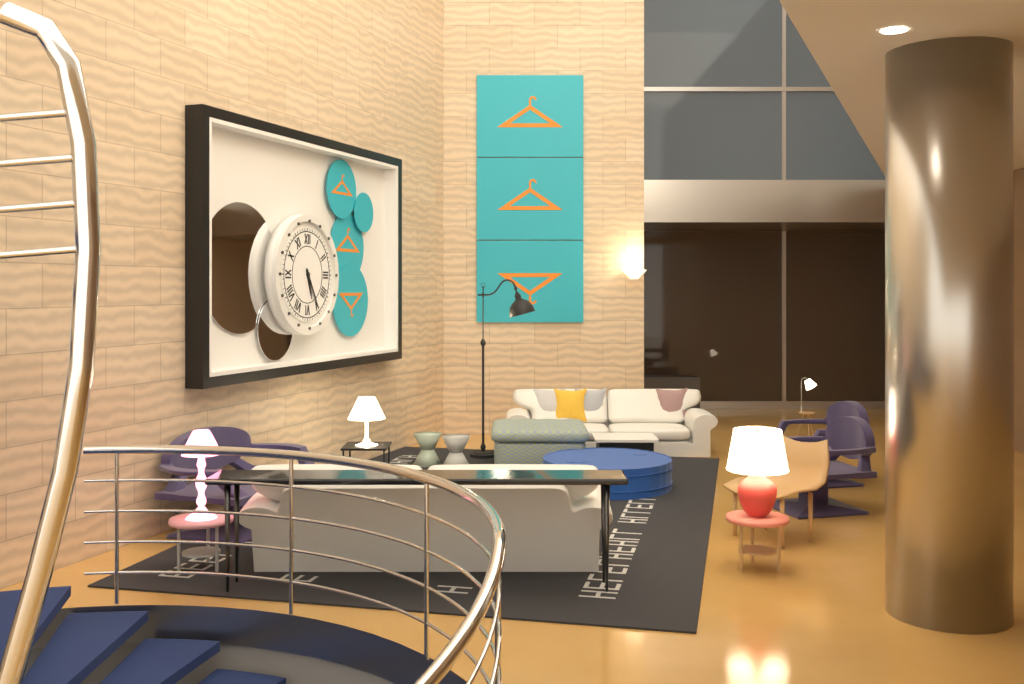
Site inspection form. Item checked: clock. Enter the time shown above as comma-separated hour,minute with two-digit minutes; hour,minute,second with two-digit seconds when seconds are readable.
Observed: 5,25
